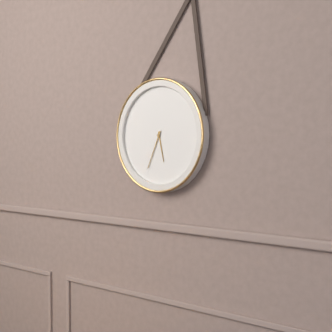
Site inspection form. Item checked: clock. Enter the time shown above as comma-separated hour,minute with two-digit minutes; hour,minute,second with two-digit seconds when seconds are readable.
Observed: 5,34
